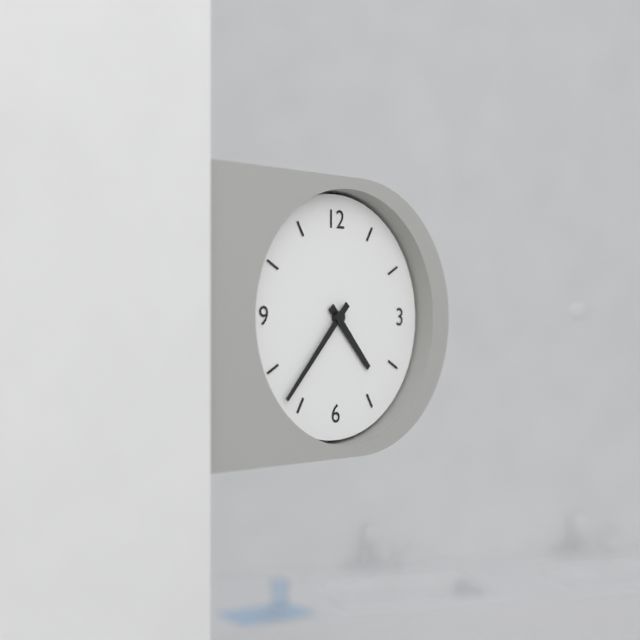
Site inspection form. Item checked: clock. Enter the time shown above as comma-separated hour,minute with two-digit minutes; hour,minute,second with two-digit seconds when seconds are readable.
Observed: 4,37
